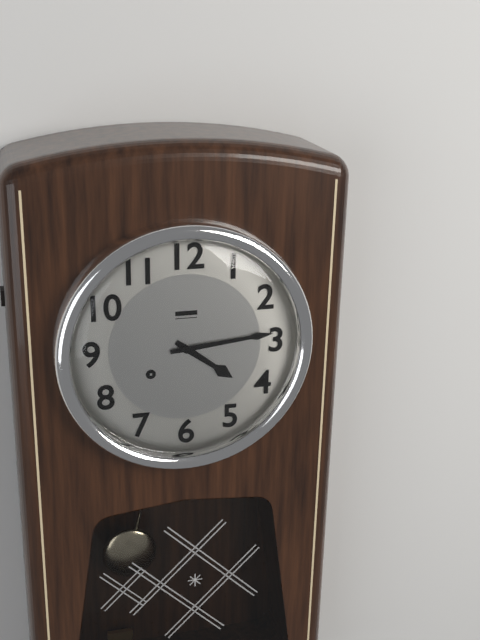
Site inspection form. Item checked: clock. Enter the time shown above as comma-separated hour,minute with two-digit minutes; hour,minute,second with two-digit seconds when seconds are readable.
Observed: 4,14
